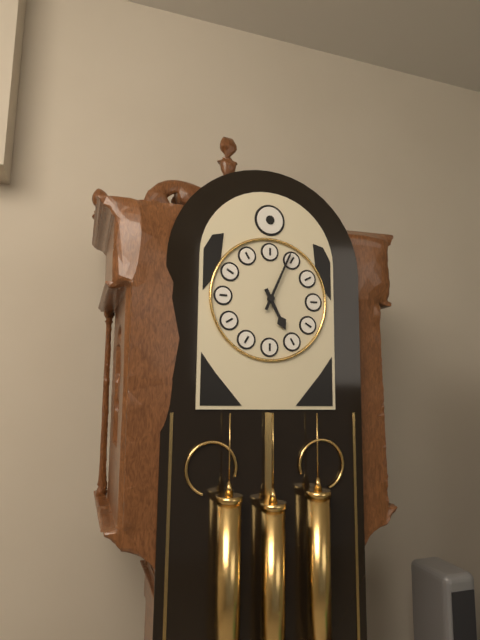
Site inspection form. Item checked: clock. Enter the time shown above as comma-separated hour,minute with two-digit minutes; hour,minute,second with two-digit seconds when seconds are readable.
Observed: 5,04
